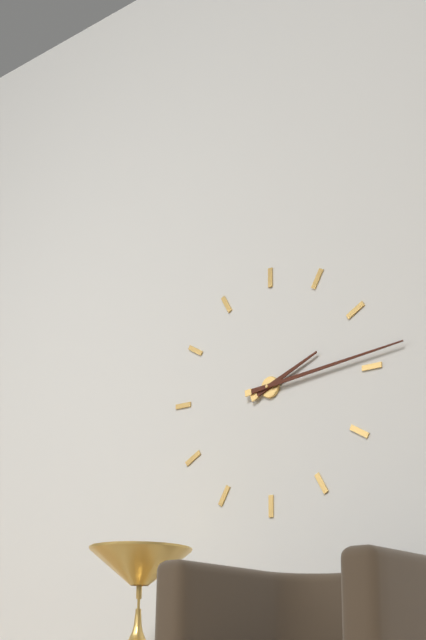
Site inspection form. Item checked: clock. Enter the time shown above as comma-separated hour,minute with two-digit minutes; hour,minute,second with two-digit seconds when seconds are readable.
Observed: 2,14
